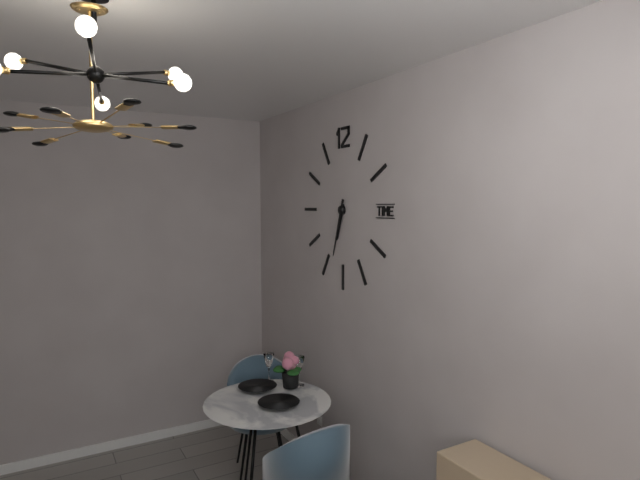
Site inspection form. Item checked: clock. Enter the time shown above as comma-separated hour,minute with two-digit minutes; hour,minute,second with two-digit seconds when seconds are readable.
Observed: 6,33
